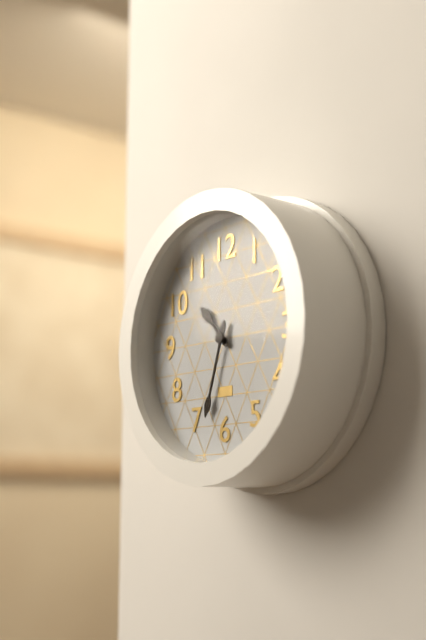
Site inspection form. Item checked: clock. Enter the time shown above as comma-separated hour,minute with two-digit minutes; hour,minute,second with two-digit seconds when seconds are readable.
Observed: 10,33
